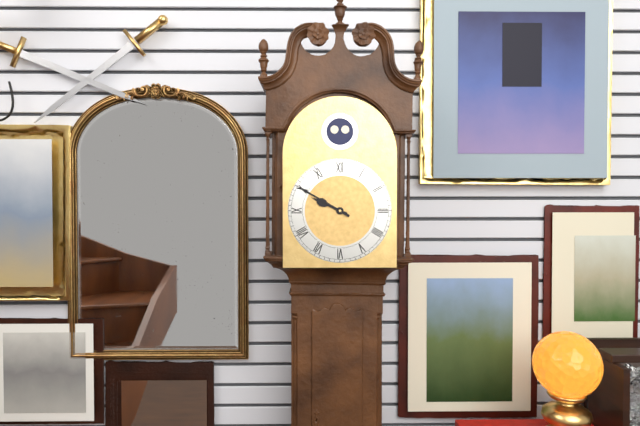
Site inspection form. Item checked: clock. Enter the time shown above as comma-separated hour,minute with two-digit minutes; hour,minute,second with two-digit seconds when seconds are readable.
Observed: 9,50
